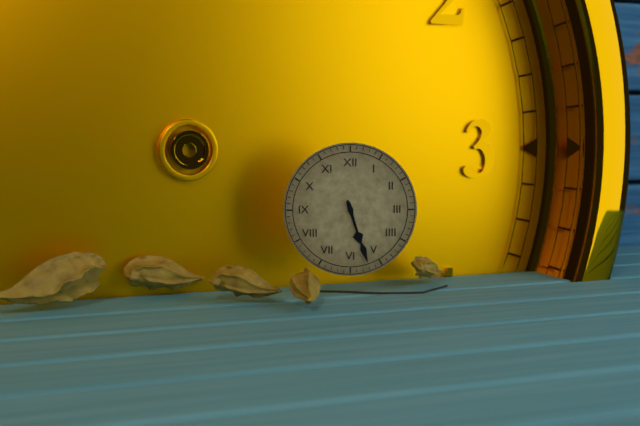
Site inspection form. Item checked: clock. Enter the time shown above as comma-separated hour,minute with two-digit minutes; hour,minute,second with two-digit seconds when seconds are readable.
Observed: 5,27
